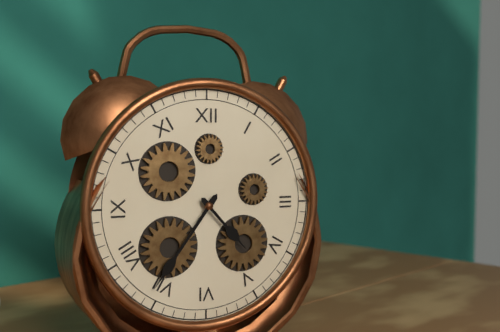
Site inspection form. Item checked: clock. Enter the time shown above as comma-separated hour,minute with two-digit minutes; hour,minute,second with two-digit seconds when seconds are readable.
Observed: 4,36
